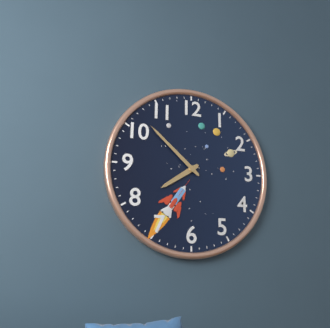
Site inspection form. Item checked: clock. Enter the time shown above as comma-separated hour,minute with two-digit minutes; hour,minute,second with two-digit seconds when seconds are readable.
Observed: 7,52
